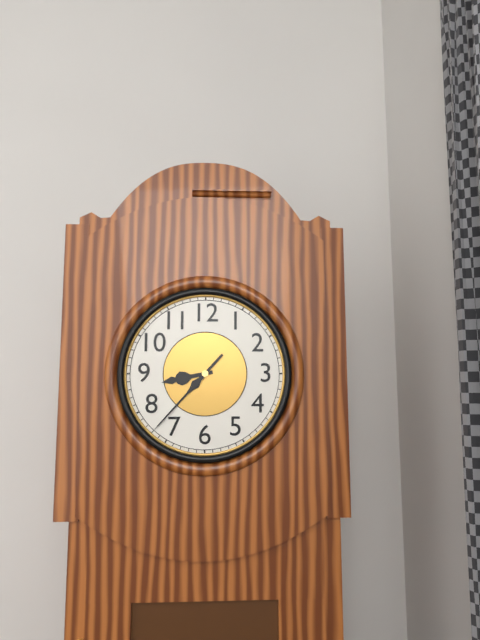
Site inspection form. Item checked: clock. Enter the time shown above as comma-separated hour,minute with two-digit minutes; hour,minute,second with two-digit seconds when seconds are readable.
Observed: 8,37
